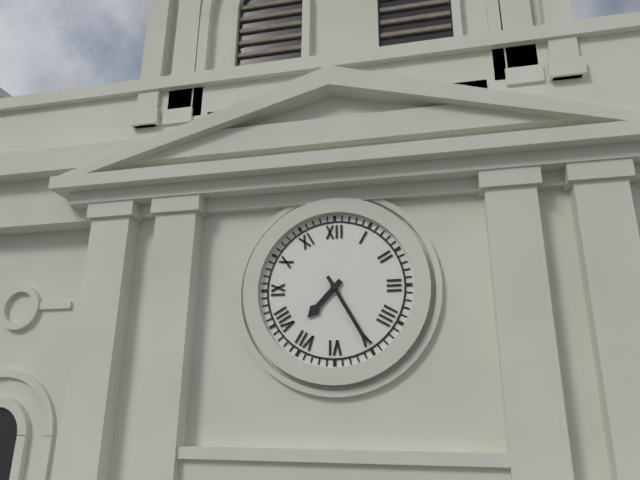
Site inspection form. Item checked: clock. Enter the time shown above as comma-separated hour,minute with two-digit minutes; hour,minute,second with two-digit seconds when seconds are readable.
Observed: 7,25
